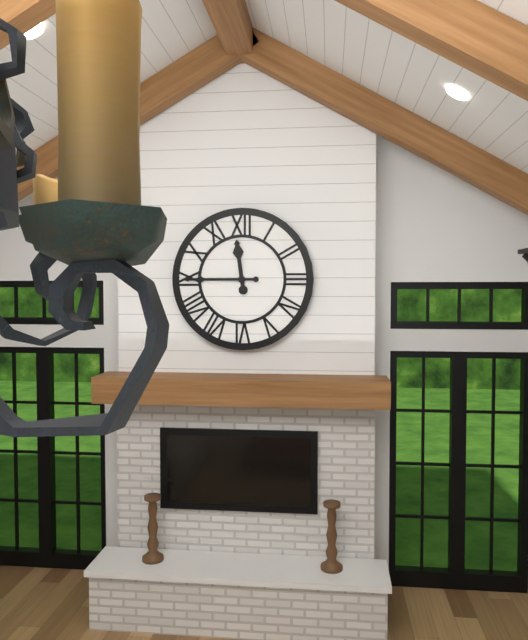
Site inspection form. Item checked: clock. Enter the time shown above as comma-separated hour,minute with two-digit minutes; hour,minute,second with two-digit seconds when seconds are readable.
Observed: 11,45
